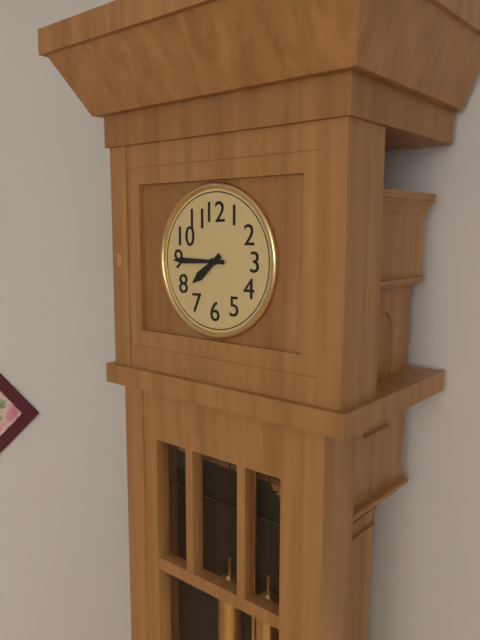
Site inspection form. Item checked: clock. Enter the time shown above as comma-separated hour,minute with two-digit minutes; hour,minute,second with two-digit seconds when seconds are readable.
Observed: 7,45
